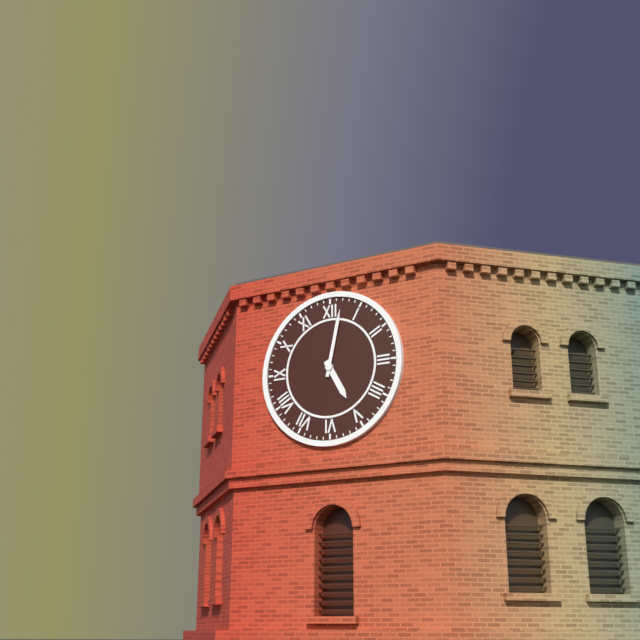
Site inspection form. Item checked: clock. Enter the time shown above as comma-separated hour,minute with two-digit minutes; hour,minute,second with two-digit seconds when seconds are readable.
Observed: 5,02
